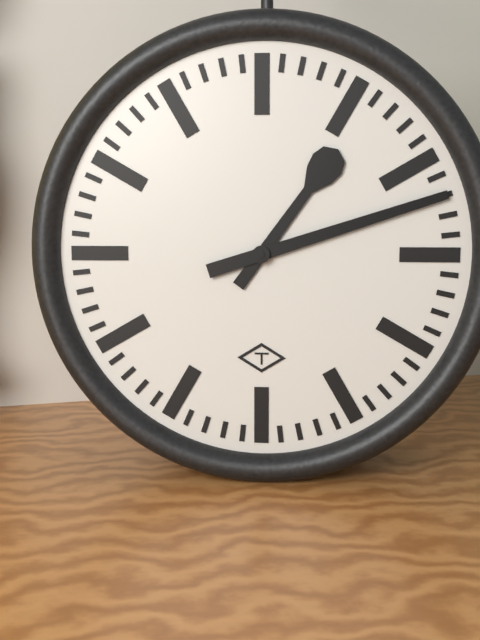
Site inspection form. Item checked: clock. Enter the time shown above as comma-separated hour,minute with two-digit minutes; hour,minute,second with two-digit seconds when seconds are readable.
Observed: 1,12
